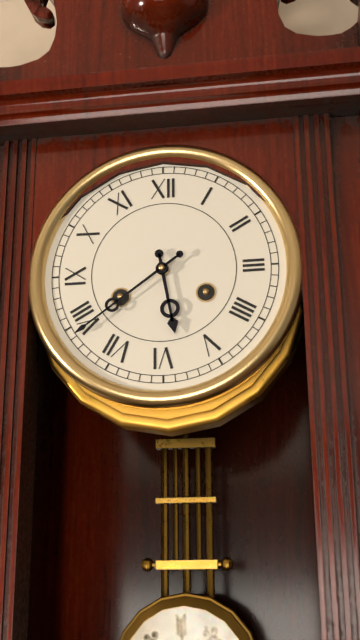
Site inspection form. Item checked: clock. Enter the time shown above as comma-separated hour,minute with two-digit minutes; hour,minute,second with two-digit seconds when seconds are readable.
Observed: 5,39
